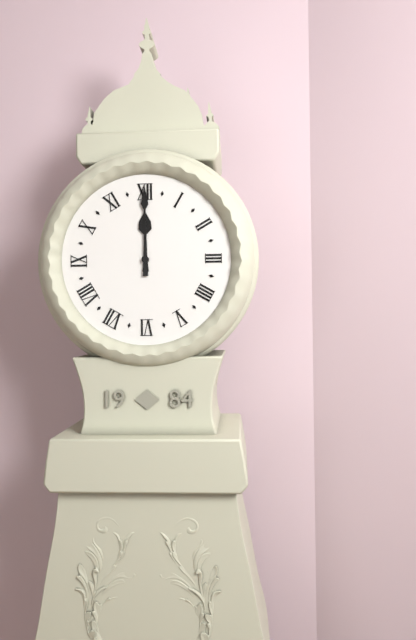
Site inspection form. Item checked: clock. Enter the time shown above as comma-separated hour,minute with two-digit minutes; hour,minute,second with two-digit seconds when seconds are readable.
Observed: 12,00
